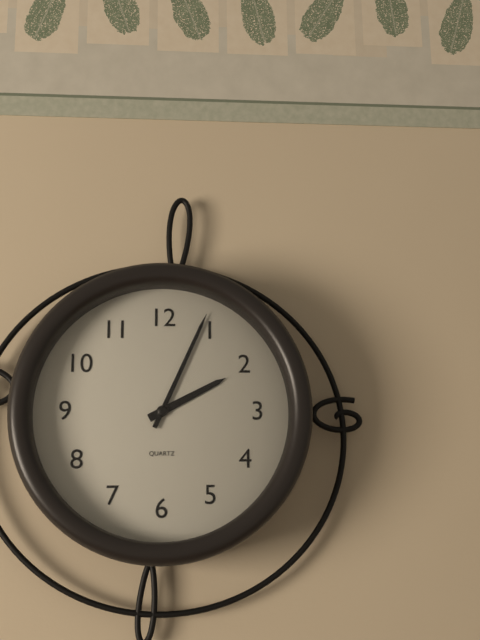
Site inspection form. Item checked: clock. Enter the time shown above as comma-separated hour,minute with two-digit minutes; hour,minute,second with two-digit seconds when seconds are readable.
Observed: 2,04
